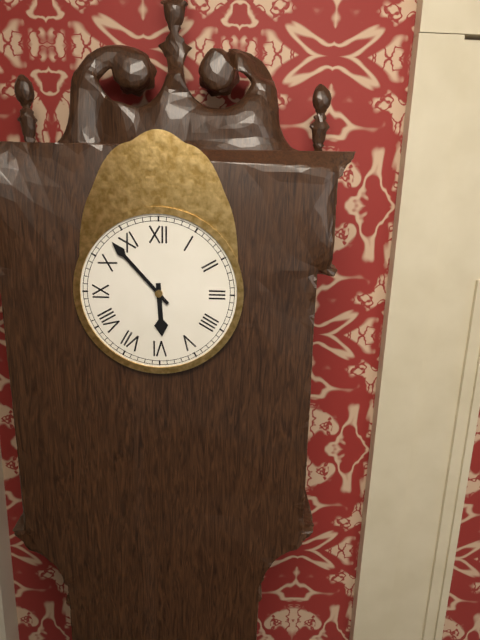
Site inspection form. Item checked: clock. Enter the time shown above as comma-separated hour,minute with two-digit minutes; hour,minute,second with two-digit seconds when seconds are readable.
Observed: 5,53
